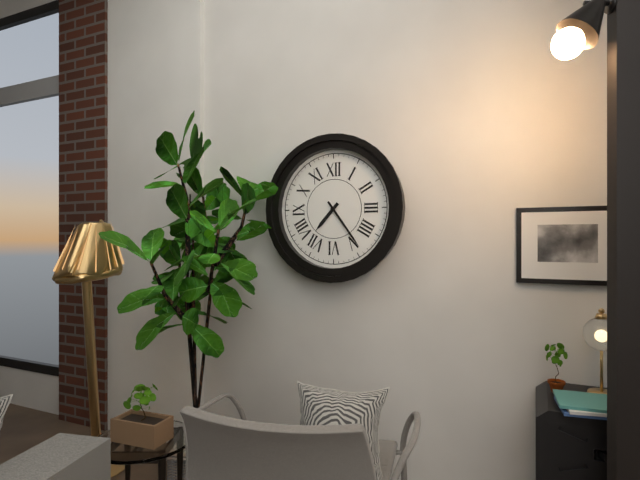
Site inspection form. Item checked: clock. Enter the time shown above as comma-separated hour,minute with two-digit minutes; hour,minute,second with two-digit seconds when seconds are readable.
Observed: 7,24
